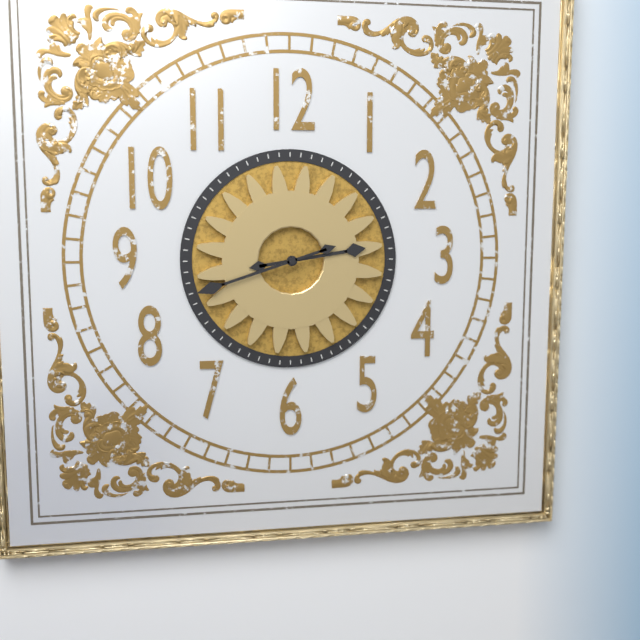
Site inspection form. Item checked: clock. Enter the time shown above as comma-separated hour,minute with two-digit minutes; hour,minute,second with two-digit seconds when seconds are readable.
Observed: 2,42
